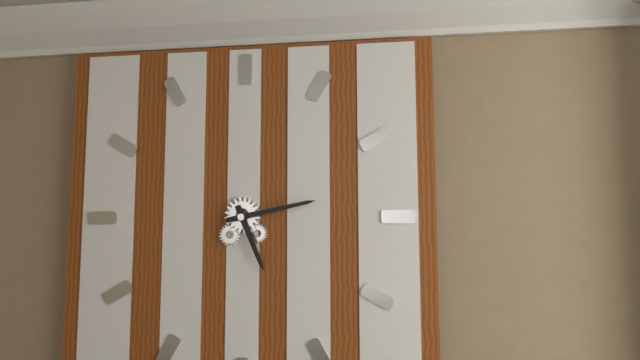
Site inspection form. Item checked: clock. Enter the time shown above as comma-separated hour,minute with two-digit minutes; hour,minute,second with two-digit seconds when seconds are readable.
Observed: 5,13
